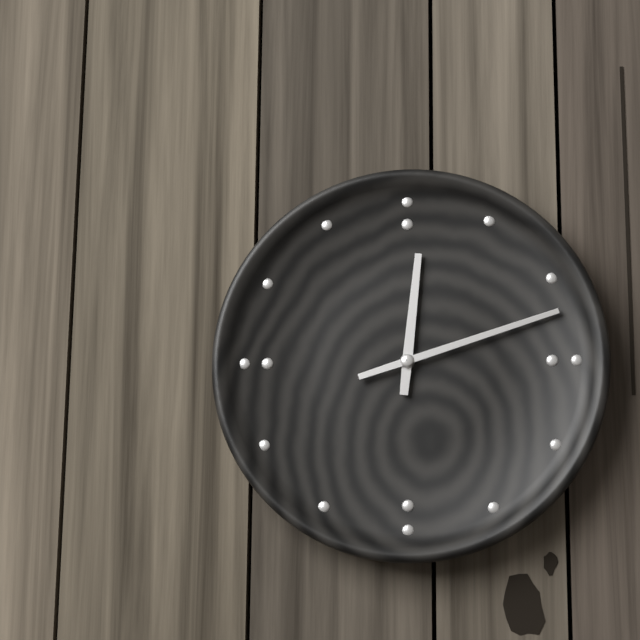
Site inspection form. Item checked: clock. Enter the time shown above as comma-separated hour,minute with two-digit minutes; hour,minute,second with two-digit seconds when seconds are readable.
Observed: 12,12
